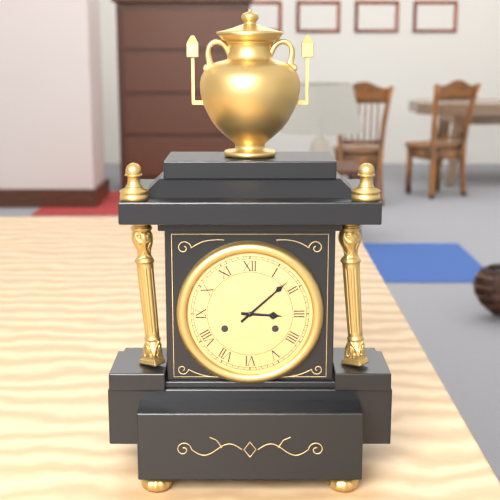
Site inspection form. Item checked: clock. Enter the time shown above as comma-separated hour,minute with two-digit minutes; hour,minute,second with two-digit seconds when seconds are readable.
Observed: 3,08
